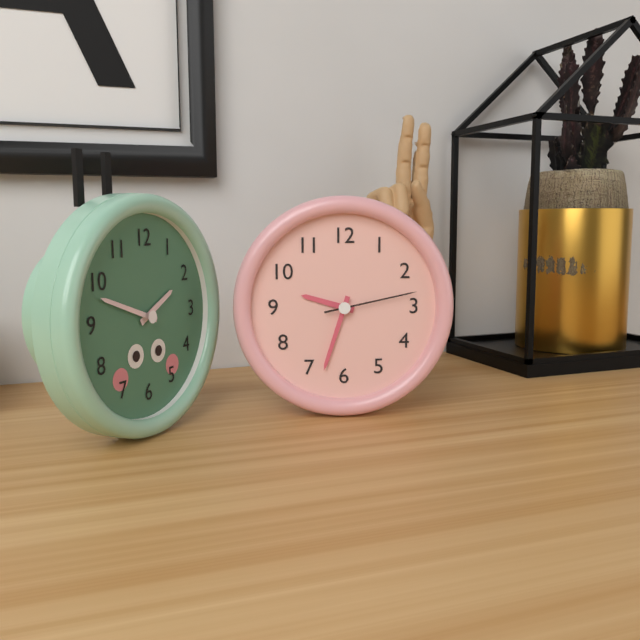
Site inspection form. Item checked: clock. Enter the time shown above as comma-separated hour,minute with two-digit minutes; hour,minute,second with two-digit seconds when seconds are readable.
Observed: 9,33,13
